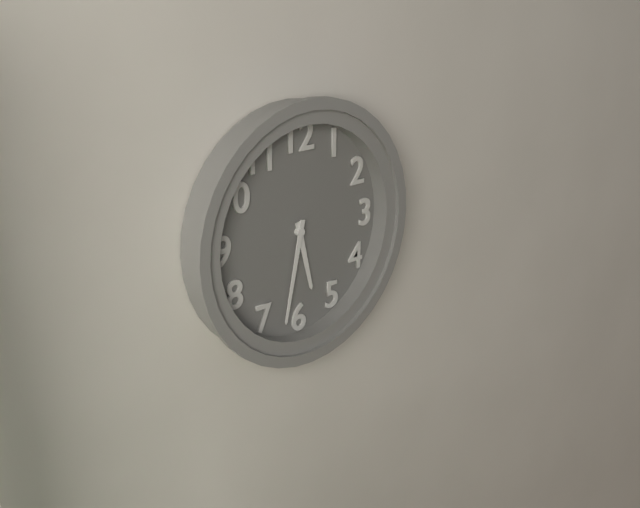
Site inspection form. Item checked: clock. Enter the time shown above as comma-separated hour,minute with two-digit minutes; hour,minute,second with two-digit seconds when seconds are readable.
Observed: 5,32
